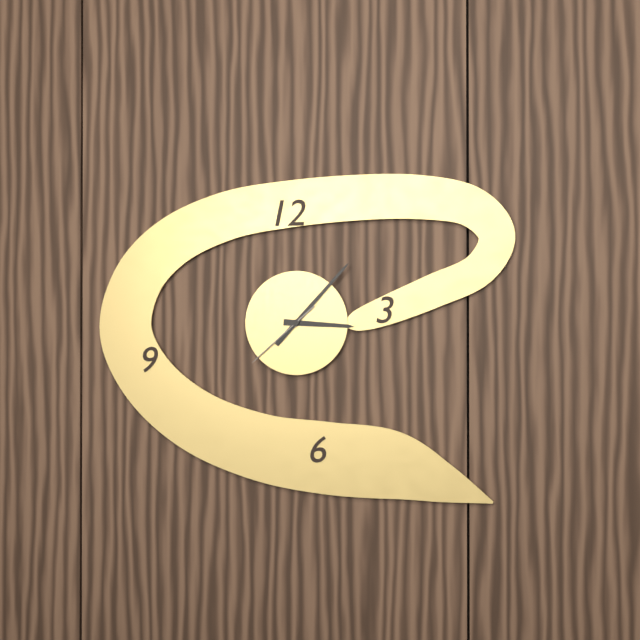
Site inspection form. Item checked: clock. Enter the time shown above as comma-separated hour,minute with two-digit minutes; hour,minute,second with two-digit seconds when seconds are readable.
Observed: 3,07,38
